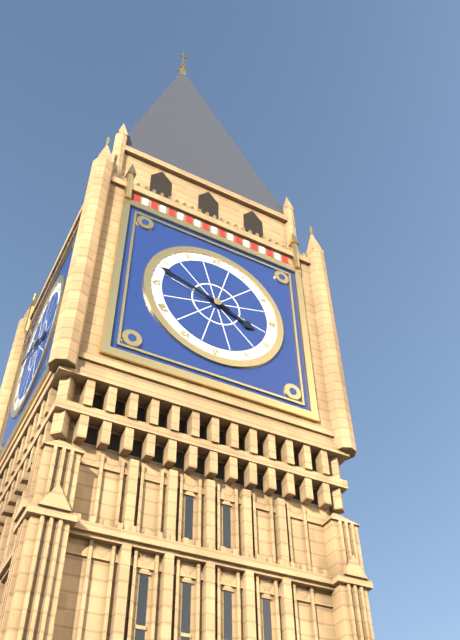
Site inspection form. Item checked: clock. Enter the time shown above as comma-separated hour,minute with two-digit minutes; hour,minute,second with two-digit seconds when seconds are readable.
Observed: 3,48
